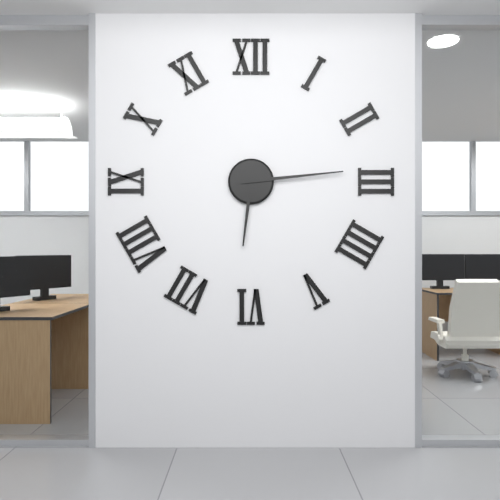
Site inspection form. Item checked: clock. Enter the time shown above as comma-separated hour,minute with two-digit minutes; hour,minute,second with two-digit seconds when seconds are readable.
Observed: 6,14
